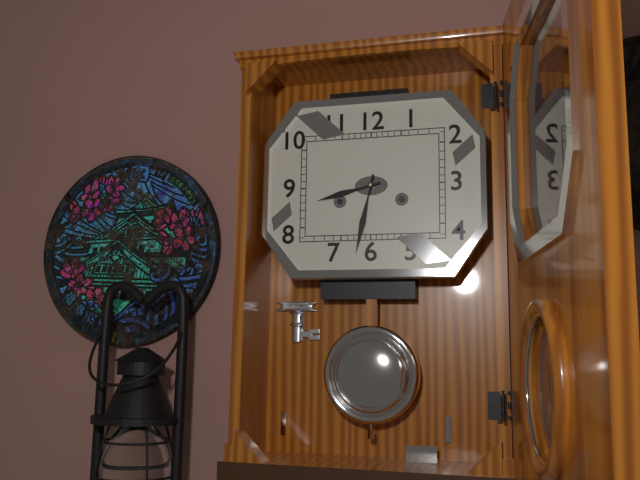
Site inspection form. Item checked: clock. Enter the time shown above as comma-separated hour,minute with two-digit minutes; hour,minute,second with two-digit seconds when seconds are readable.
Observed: 8,32
